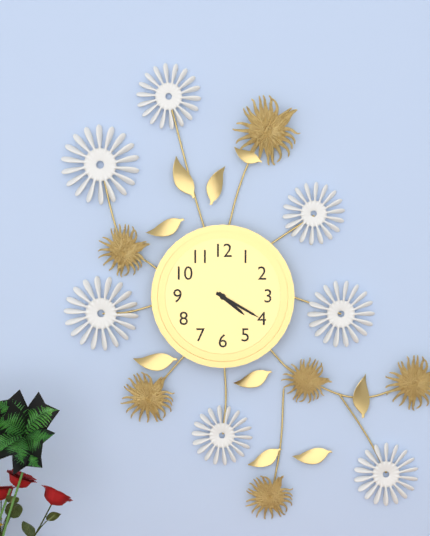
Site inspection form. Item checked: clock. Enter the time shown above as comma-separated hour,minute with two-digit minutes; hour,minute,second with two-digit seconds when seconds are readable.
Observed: 4,20
